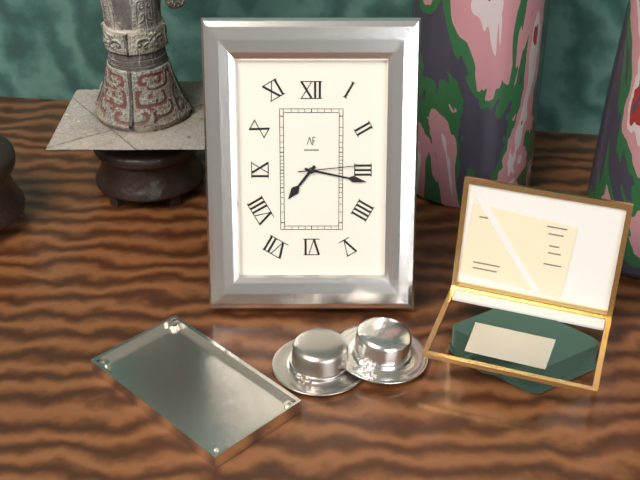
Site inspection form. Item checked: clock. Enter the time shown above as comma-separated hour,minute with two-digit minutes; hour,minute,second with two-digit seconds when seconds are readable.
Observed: 7,17,14
